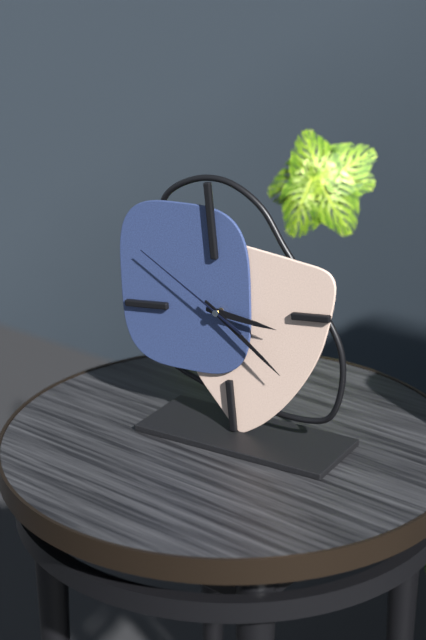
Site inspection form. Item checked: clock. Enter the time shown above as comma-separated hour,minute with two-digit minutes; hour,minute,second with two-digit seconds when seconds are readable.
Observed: 3,22,51
